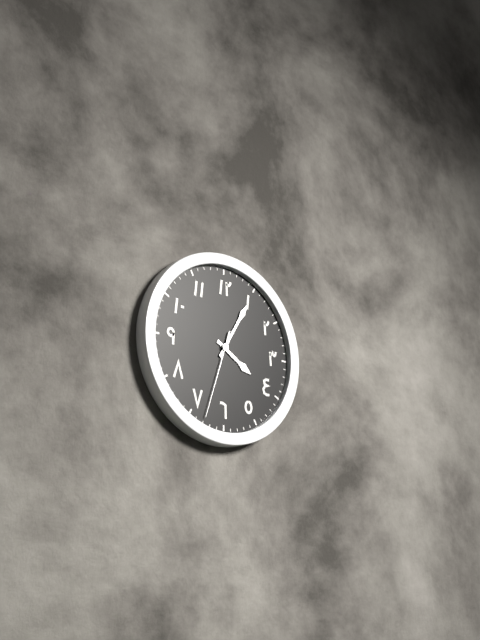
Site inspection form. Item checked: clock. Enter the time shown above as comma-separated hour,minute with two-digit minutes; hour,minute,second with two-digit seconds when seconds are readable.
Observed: 4,05,33
